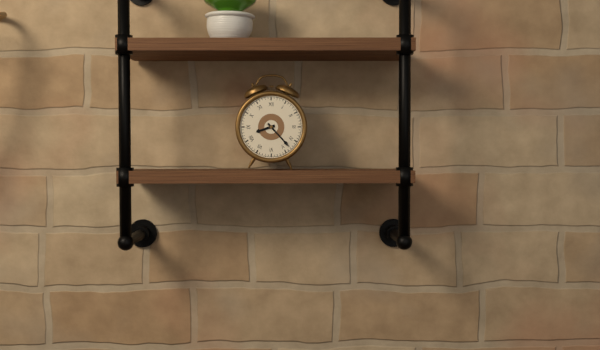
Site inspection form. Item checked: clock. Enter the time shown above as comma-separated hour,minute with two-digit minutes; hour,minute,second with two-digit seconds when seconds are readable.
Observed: 8,23
